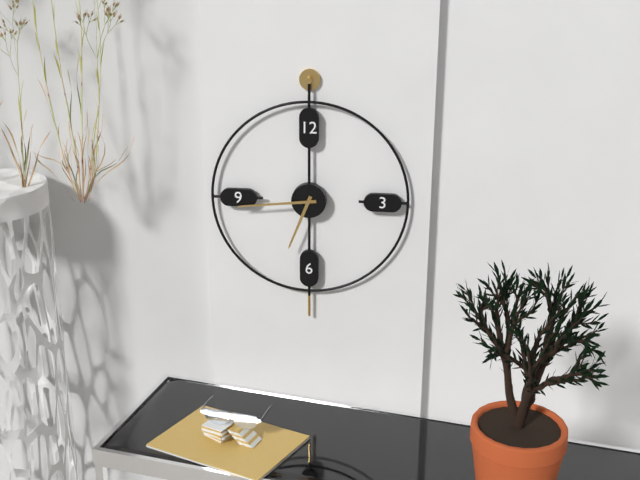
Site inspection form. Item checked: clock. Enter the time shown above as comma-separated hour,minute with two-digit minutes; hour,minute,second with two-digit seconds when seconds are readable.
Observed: 6,44
